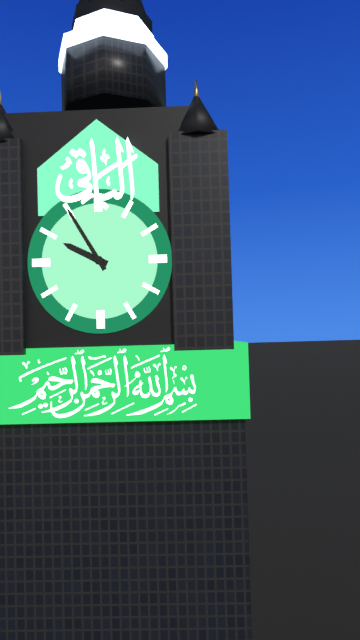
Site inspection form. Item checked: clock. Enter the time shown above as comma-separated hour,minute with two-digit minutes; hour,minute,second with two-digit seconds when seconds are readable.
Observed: 9,55
